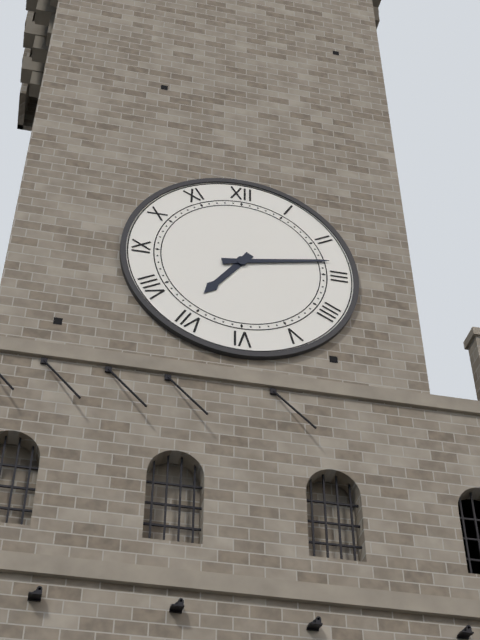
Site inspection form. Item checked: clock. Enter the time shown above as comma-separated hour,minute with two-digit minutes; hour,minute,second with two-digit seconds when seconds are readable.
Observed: 7,13
